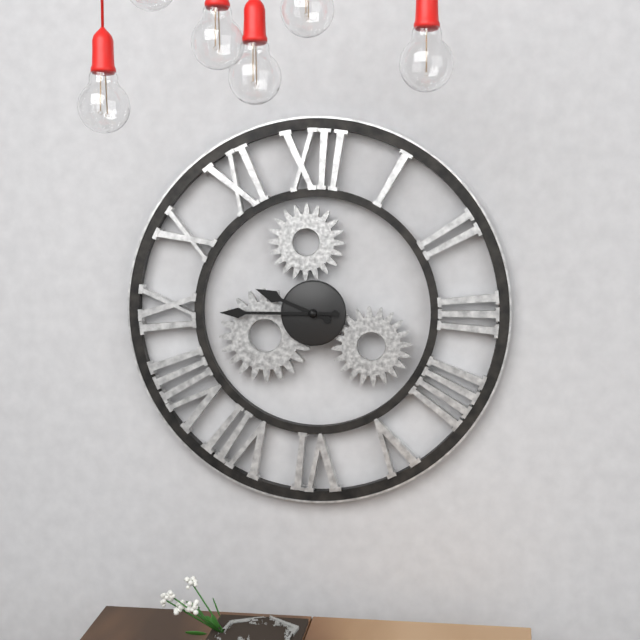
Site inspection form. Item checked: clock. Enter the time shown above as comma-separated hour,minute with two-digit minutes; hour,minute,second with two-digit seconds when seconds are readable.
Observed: 9,45
